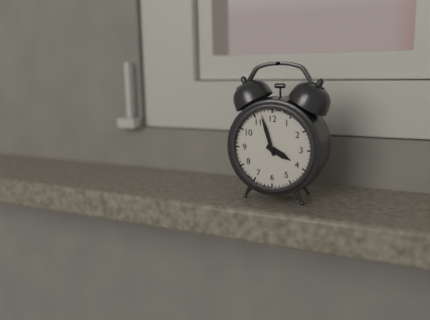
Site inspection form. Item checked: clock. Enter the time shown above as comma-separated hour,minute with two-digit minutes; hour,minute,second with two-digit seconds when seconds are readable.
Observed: 3,57
